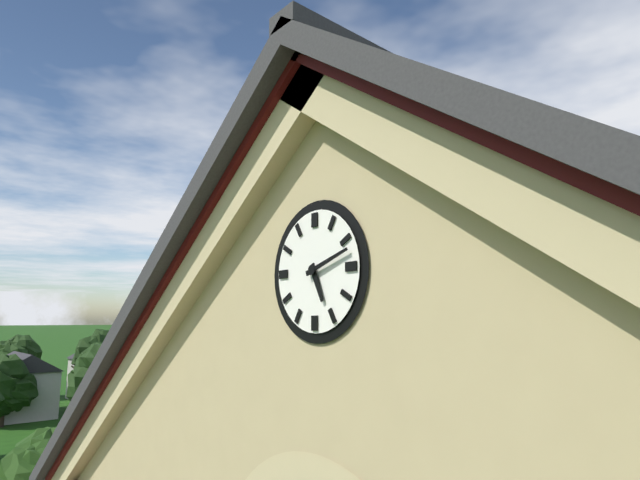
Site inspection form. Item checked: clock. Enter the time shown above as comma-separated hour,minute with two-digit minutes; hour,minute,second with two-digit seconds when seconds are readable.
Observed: 5,12
